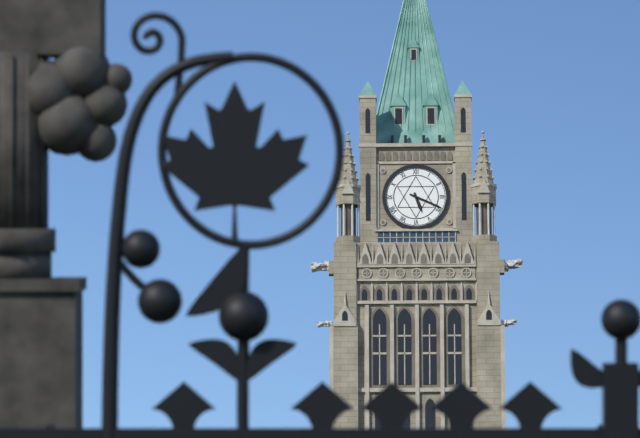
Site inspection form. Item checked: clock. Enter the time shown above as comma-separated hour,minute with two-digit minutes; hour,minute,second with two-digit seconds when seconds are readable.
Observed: 5,19
